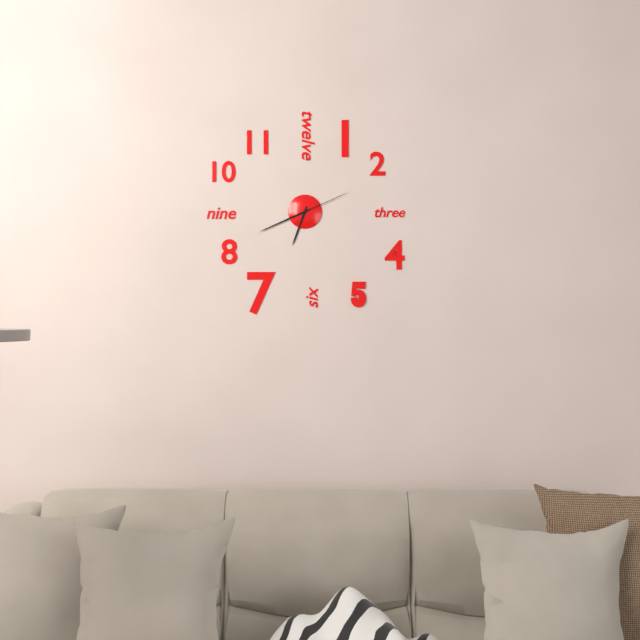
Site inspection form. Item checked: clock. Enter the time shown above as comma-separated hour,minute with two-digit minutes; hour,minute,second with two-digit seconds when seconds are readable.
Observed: 6,41,11
